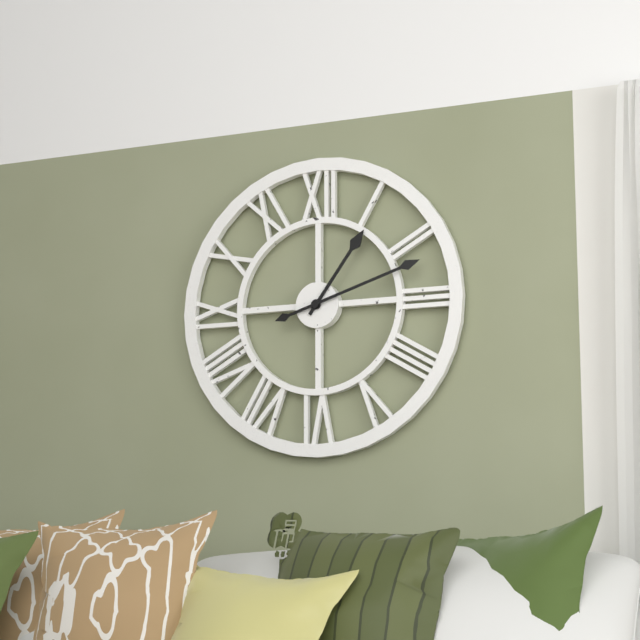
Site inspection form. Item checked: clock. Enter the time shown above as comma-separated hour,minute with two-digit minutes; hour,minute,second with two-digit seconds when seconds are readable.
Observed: 1,12
